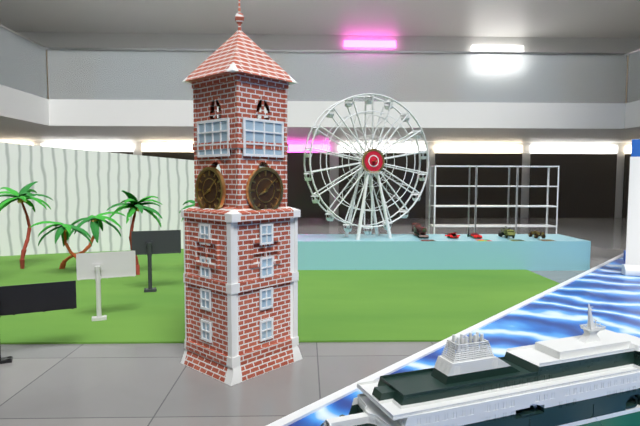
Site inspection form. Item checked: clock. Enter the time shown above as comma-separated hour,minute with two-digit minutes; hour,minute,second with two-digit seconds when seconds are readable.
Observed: 8,08
